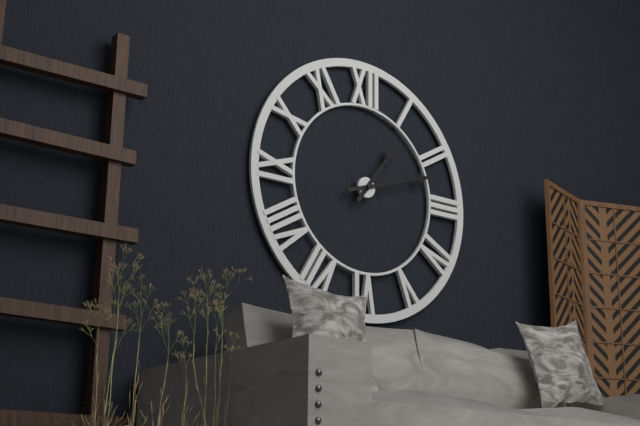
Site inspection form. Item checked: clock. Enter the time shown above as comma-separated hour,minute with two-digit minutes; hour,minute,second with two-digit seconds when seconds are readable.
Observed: 1,12
